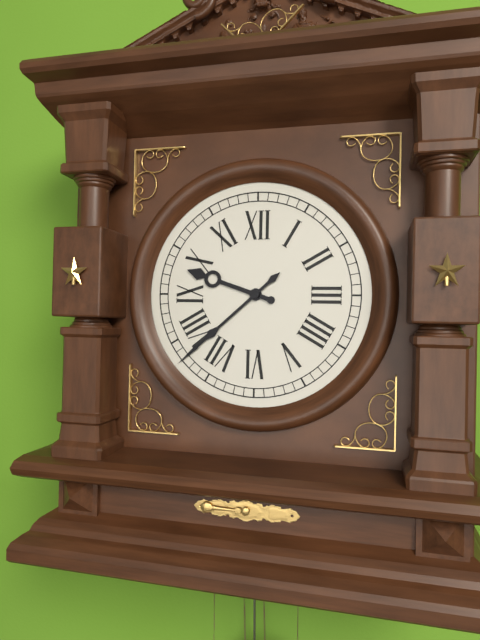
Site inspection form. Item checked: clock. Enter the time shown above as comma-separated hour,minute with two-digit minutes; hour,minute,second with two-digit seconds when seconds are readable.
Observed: 9,38
